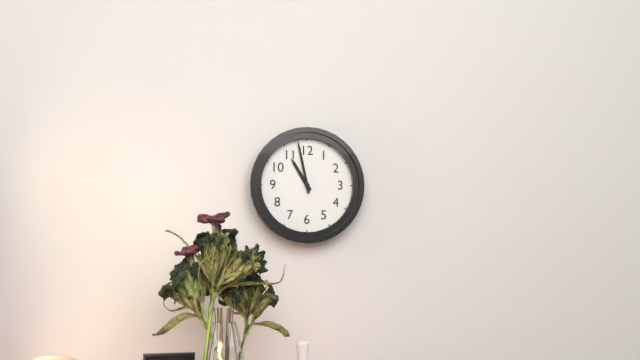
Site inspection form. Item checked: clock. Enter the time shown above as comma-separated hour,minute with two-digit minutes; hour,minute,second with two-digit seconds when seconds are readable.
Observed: 10,58
